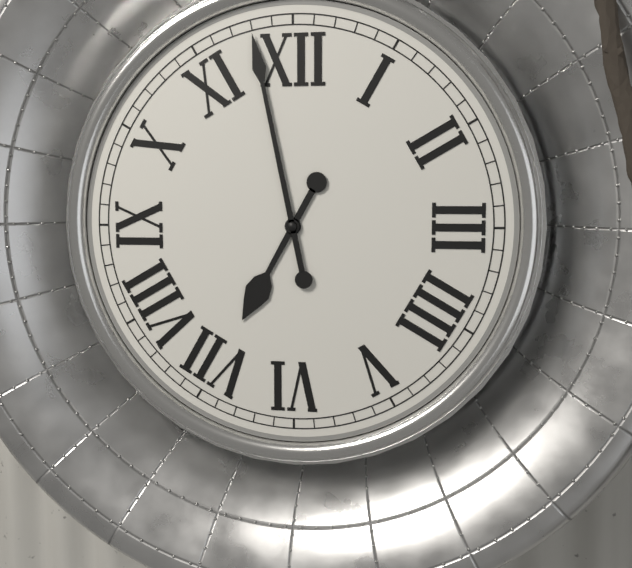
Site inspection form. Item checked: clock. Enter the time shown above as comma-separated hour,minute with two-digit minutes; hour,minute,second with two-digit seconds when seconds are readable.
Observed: 6,58
